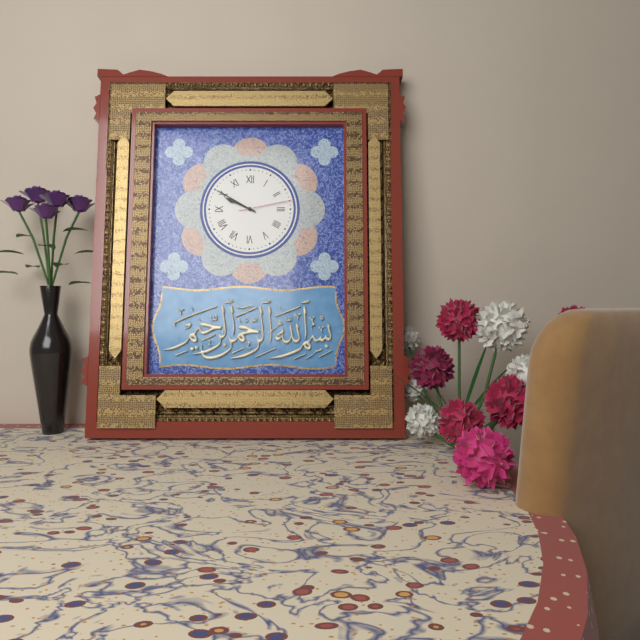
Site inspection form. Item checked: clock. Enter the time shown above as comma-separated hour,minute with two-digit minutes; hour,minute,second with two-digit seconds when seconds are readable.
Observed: 9,50,13
